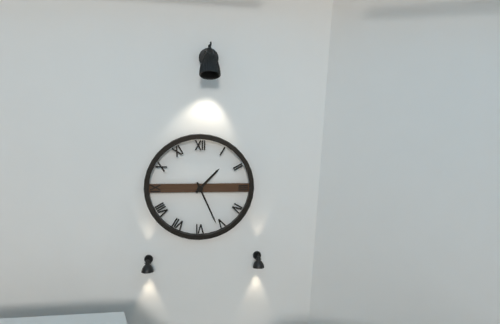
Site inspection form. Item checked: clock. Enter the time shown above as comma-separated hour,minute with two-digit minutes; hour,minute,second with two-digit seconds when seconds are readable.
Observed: 1,26
